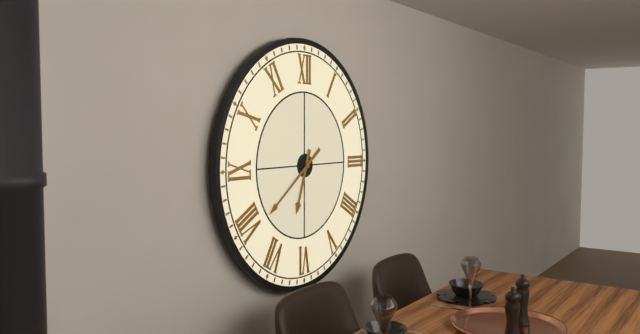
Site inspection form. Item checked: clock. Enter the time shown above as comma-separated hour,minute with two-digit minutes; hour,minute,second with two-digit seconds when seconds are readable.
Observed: 6,39
